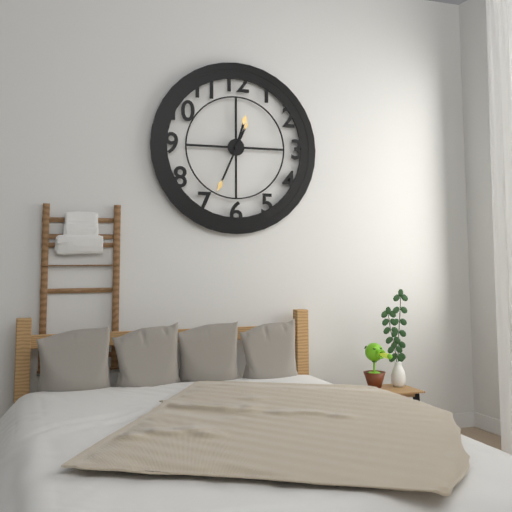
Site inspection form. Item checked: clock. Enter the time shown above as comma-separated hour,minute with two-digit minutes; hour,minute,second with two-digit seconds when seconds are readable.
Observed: 12,34
